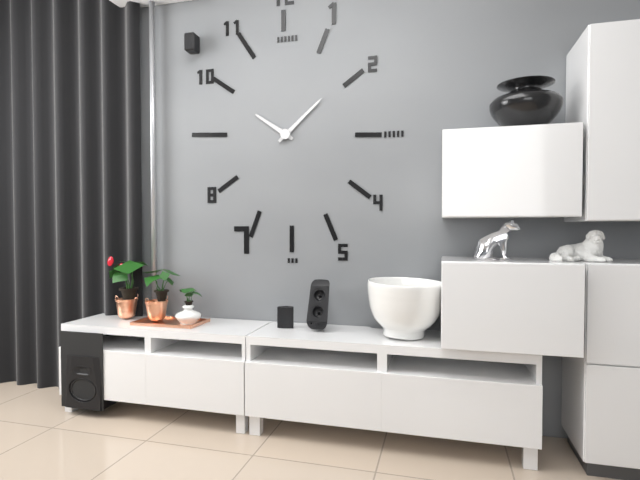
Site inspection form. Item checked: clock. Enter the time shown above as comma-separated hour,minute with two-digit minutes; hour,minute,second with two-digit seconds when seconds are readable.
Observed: 10,08
